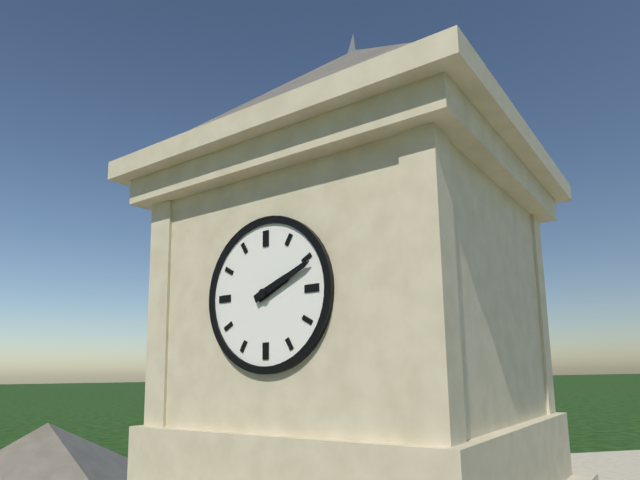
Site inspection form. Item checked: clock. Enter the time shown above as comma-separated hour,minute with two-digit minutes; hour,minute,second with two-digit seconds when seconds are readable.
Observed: 2,11
